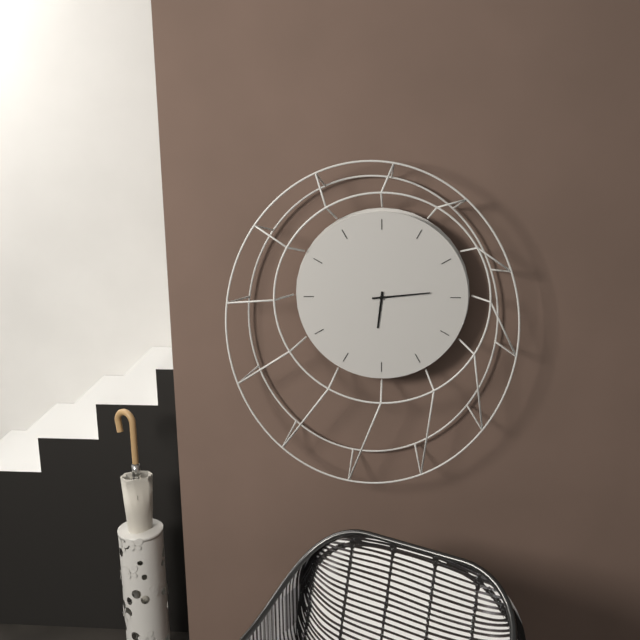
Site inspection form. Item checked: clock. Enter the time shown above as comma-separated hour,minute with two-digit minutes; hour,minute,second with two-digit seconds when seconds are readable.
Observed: 6,14
